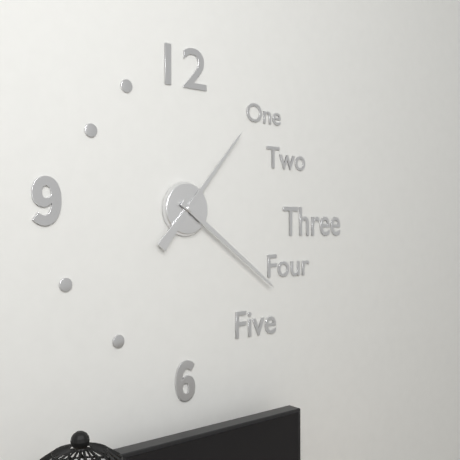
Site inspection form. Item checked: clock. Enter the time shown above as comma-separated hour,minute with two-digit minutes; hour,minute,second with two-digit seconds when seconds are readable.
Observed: 1,21
